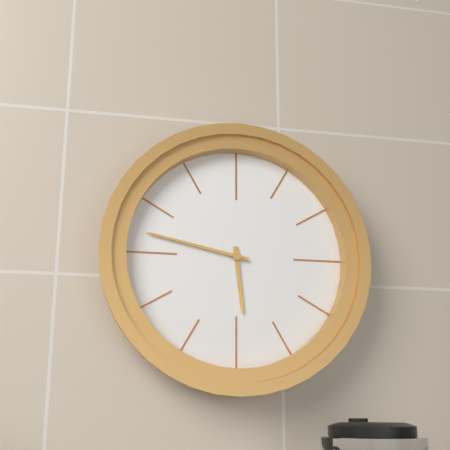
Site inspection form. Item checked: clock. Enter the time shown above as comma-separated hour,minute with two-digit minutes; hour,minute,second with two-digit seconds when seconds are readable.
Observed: 5,47
